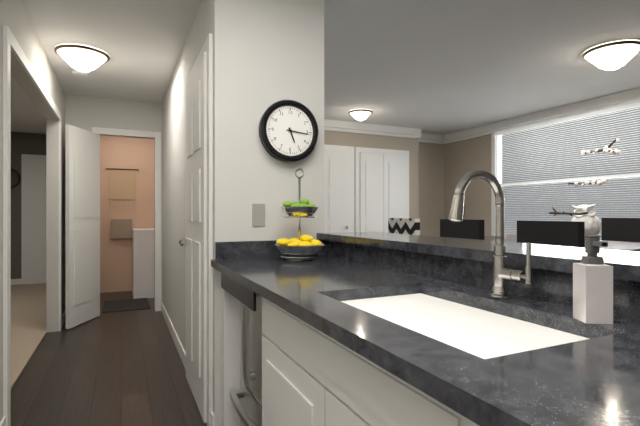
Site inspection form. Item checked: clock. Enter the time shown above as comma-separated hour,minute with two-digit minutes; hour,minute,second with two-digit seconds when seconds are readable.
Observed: 5,16
